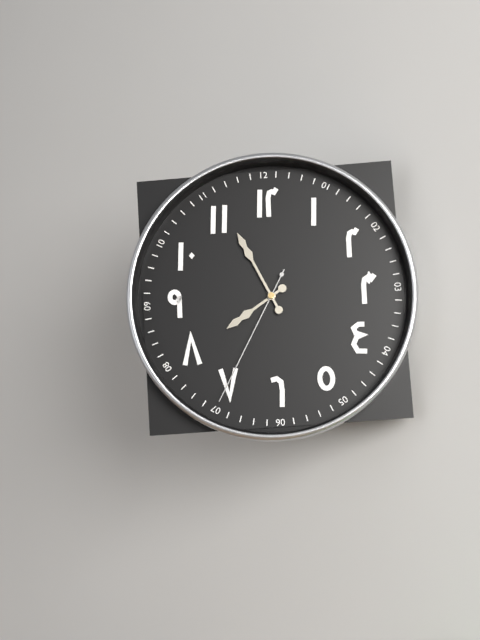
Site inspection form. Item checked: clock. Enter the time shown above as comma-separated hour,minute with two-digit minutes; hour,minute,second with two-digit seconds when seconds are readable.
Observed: 7,56,35
